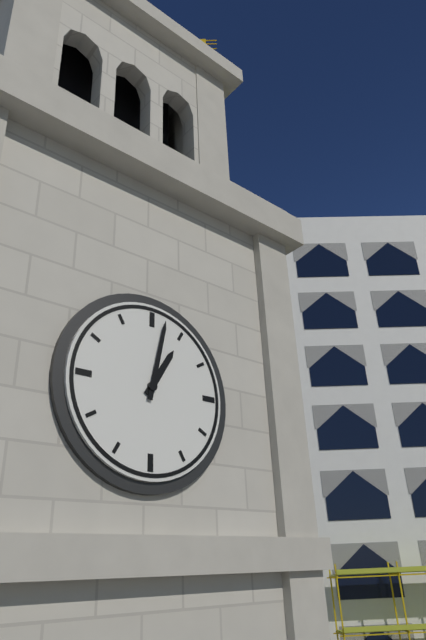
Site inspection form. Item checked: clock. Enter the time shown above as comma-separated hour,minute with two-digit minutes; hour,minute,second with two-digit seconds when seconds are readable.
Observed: 1,02
